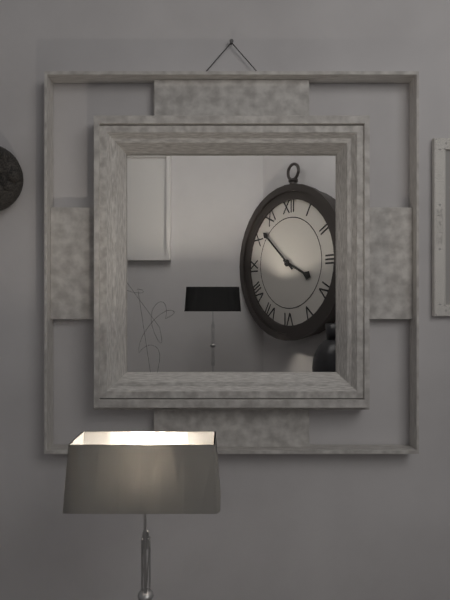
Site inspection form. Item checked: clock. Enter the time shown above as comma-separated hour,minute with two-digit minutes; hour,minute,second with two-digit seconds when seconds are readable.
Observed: 3,52
